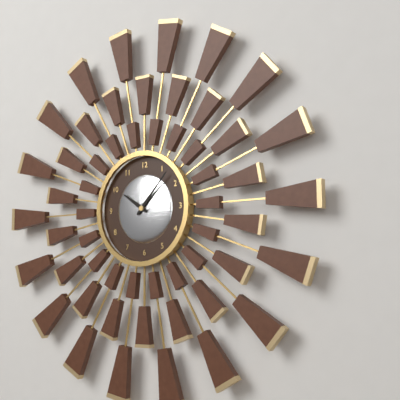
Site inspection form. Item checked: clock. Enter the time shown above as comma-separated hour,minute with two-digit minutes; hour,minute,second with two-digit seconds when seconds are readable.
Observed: 10,07
